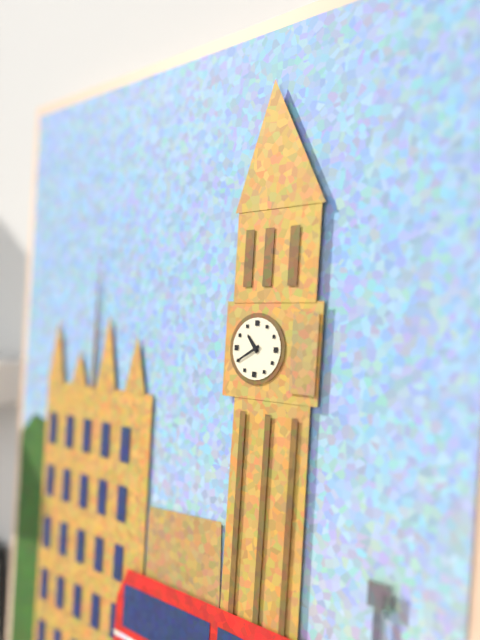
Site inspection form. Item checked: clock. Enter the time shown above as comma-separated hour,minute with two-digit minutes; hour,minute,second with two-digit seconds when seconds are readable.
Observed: 10,40
